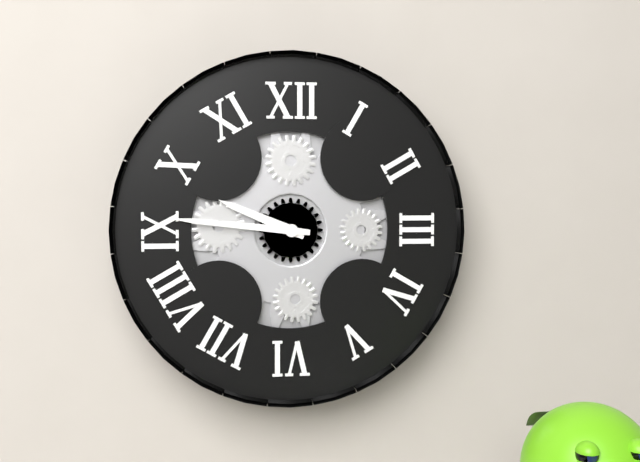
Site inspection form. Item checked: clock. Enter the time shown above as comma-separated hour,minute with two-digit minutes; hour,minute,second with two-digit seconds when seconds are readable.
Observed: 9,46
